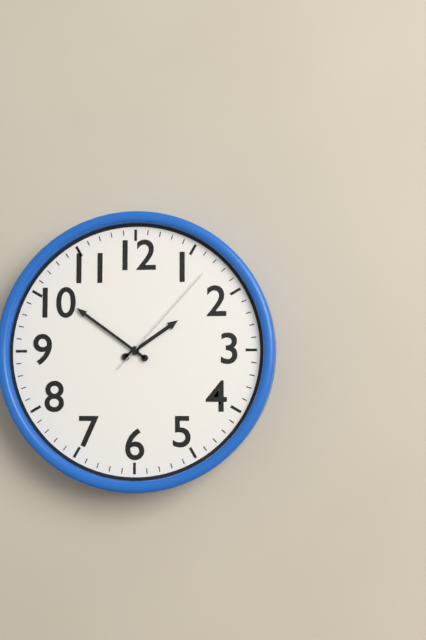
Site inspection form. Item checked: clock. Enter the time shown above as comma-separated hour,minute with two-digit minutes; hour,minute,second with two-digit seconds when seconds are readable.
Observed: 1,51,07
